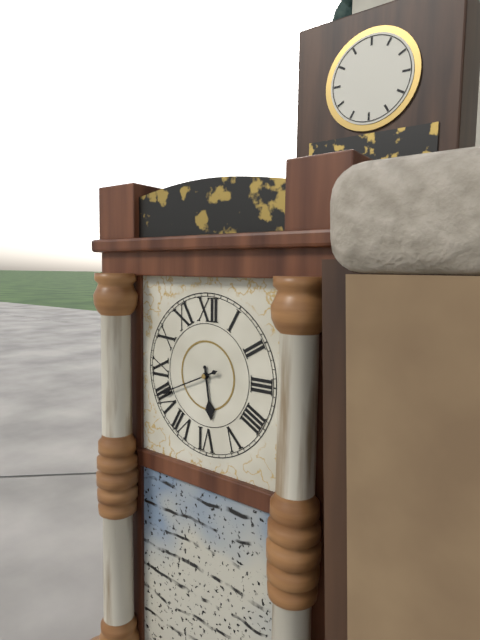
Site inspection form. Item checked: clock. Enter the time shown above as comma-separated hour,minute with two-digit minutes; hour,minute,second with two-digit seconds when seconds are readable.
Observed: 5,41
